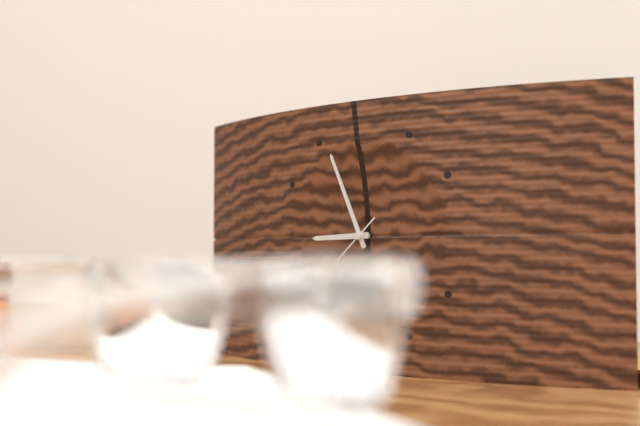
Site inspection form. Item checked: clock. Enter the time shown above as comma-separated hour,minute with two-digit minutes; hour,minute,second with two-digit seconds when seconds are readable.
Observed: 8,56,38
